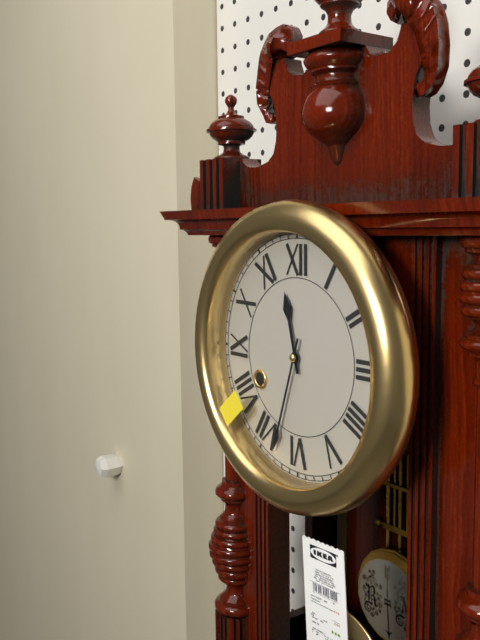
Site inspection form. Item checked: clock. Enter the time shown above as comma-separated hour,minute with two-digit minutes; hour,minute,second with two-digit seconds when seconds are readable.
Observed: 11,33
